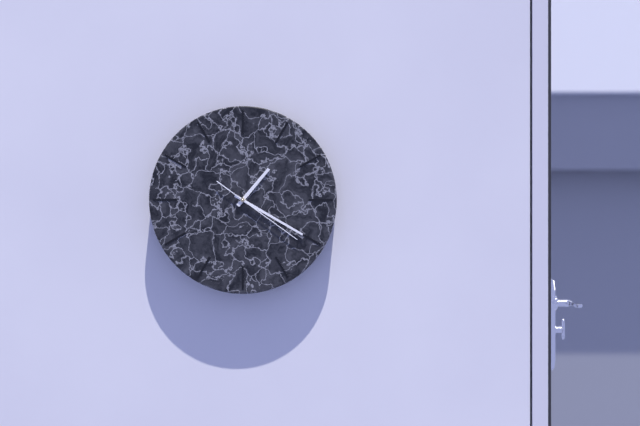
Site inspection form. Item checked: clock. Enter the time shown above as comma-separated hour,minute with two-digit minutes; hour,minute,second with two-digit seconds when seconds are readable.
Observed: 1,20,21
